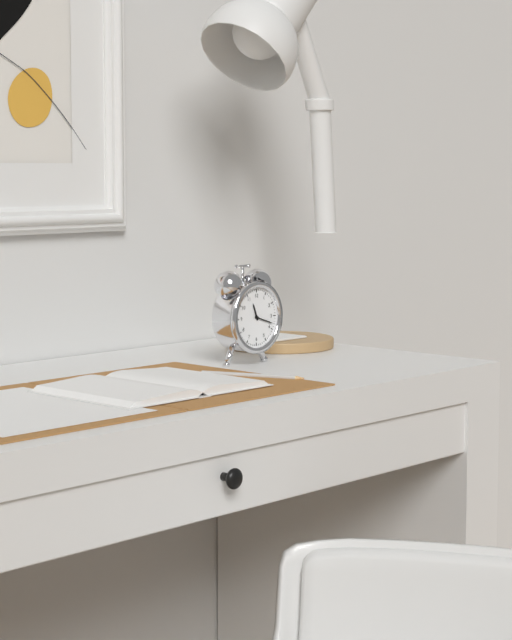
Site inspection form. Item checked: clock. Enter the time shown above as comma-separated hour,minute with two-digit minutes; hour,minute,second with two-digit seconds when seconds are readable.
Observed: 11,18
